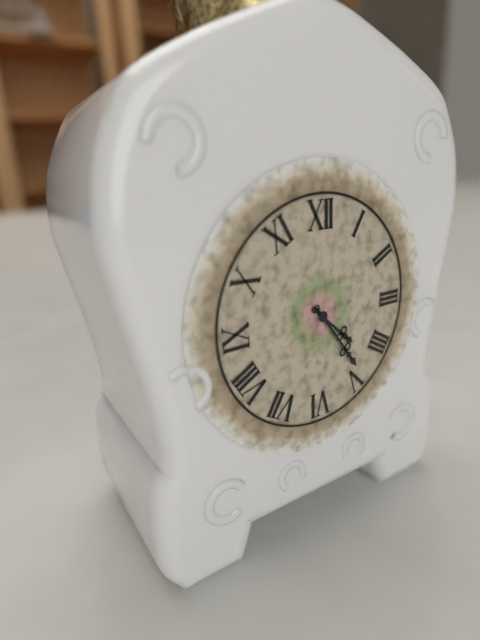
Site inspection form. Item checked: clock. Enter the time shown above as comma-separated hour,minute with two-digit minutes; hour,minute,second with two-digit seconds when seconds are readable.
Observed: 4,24
